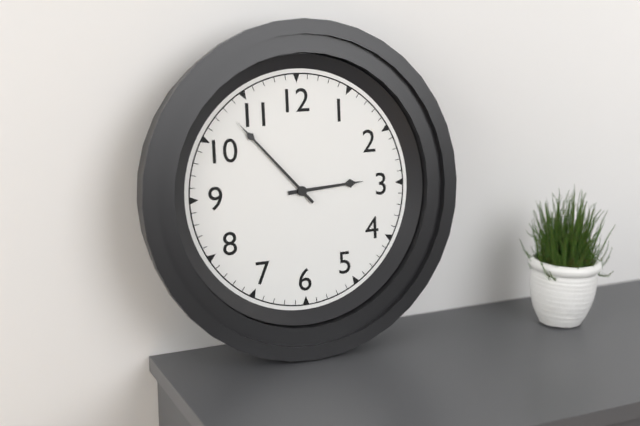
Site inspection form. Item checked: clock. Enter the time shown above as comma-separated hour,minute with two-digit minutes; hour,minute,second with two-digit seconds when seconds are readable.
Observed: 2,53
